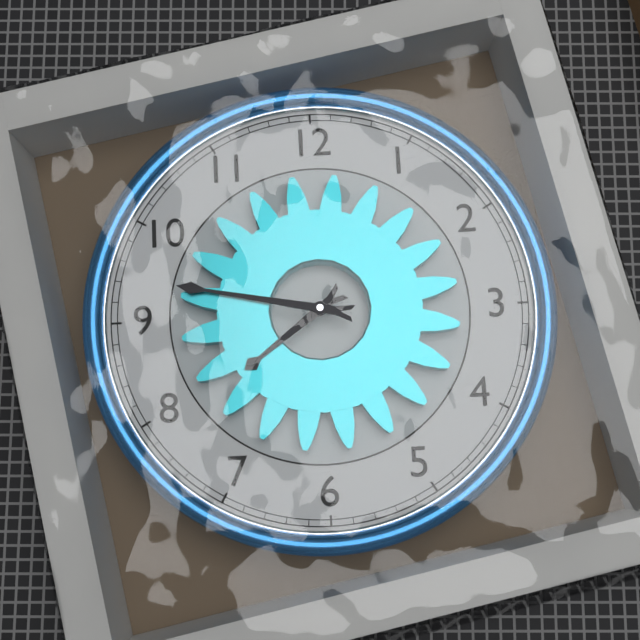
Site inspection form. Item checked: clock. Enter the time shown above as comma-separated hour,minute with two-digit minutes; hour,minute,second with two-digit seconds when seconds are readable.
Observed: 7,47
